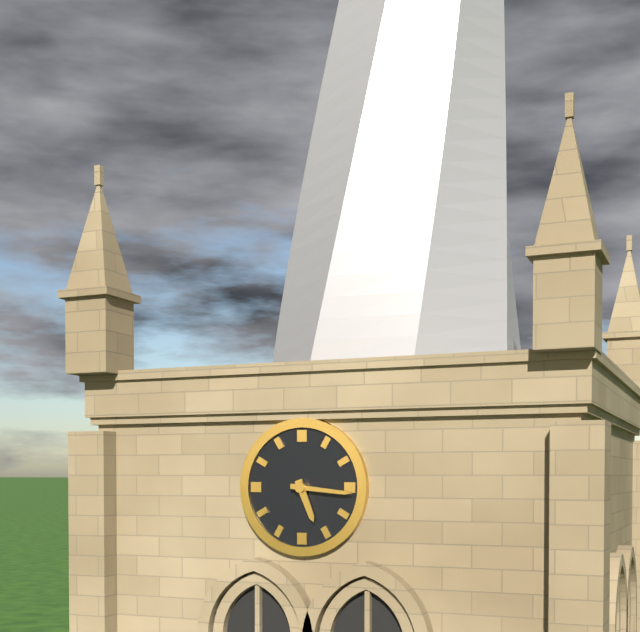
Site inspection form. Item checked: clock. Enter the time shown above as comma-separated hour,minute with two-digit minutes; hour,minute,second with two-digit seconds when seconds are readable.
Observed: 5,16
